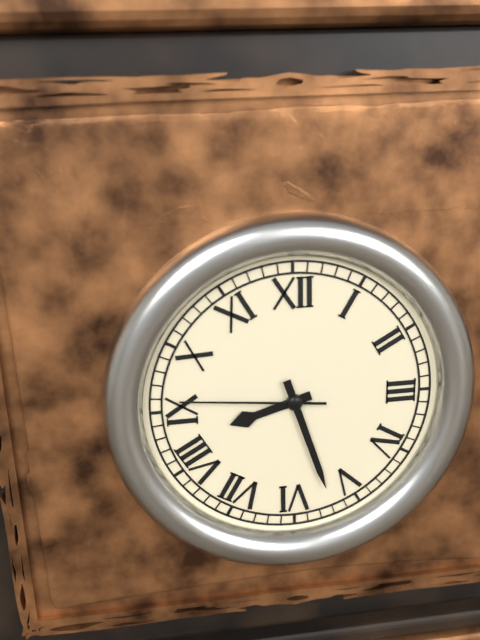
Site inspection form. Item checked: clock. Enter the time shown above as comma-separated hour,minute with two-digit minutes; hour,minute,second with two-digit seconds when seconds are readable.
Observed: 8,27,46
